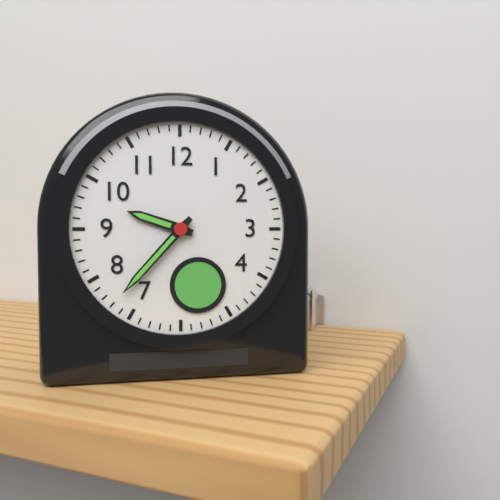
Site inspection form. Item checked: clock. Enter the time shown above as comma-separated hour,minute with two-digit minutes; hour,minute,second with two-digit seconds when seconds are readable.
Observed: 9,37
